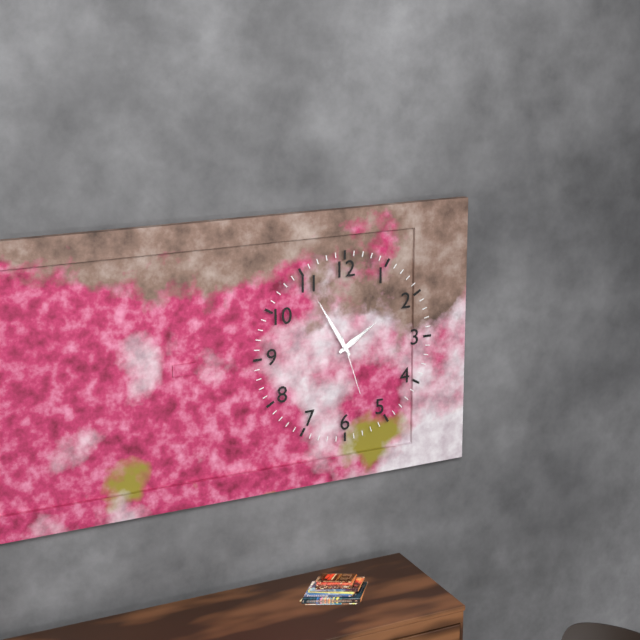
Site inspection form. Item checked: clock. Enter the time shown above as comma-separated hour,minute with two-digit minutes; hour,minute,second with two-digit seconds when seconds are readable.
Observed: 1,55,27
